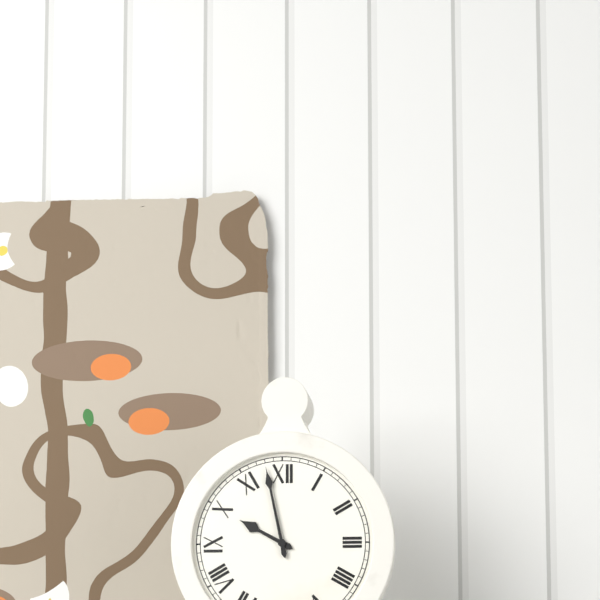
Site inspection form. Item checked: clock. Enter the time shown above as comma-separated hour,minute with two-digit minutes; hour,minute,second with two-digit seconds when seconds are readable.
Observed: 9,58
